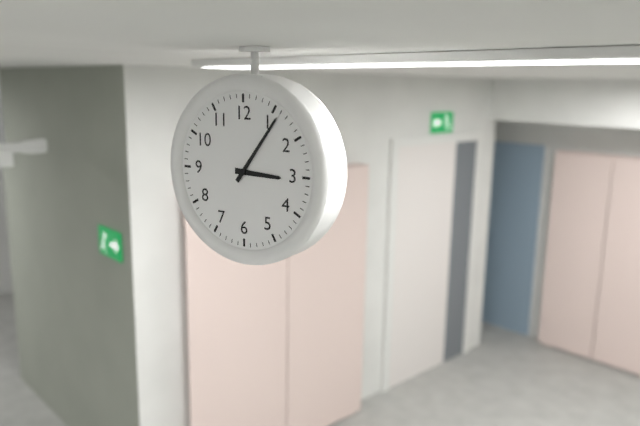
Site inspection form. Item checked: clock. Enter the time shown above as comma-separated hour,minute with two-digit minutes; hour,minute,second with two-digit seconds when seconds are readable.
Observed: 3,06
